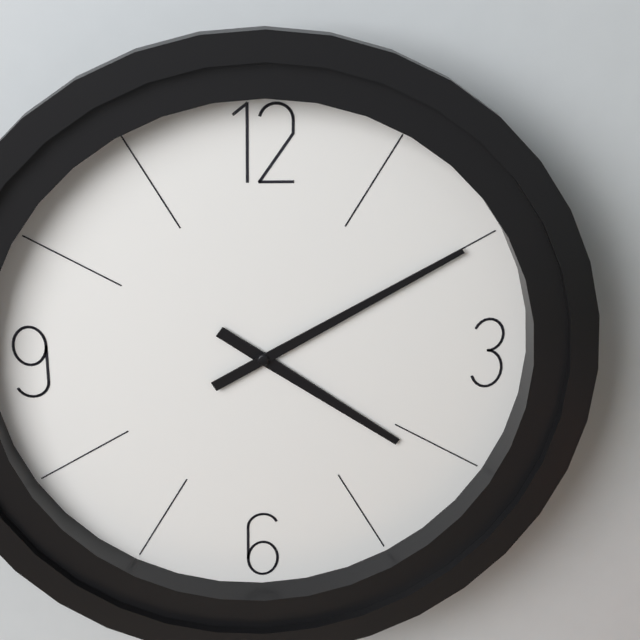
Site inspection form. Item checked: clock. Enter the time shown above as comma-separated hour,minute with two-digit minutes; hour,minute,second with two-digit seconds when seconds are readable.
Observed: 4,10
